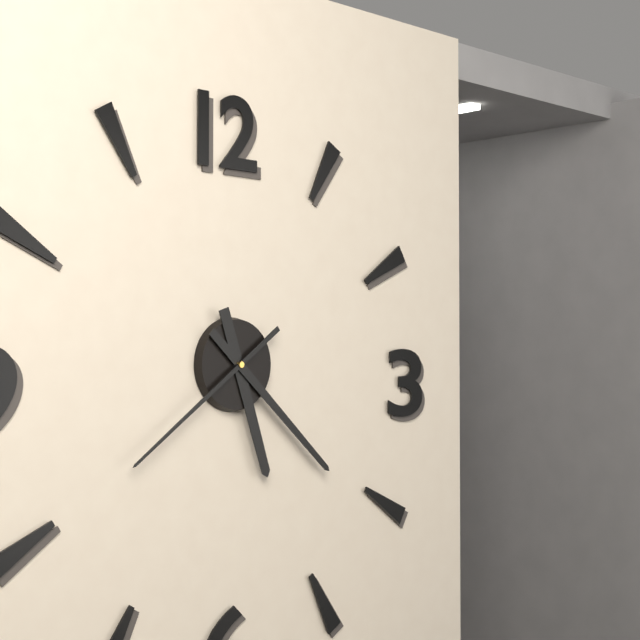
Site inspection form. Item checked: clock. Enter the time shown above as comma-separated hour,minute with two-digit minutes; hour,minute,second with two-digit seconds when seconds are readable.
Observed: 5,22,39
